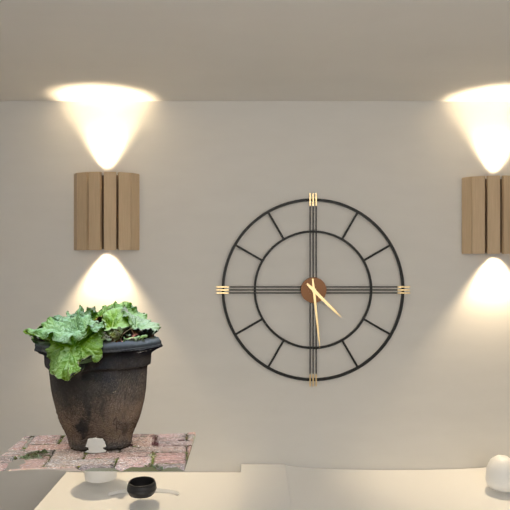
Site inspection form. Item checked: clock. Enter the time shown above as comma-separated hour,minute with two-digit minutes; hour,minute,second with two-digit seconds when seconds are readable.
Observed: 4,29
